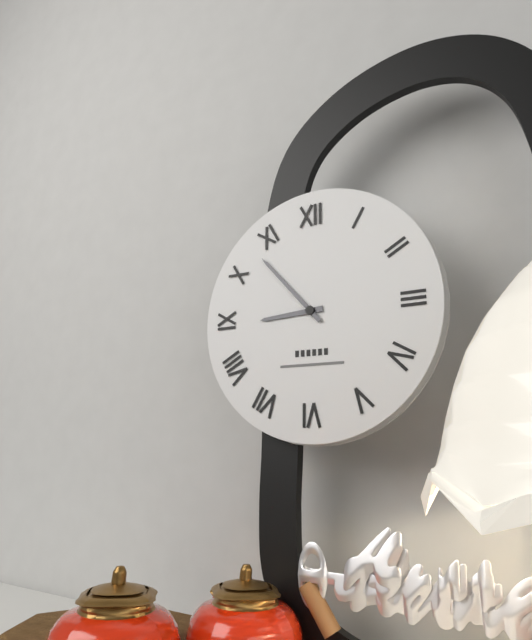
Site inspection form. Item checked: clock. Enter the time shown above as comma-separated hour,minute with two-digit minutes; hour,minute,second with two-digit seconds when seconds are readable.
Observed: 8,53
